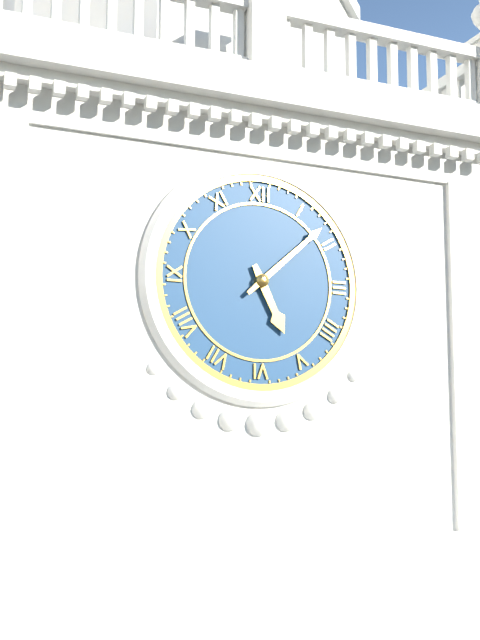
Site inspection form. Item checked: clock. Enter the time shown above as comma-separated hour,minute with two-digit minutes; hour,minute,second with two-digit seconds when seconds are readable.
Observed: 5,08
